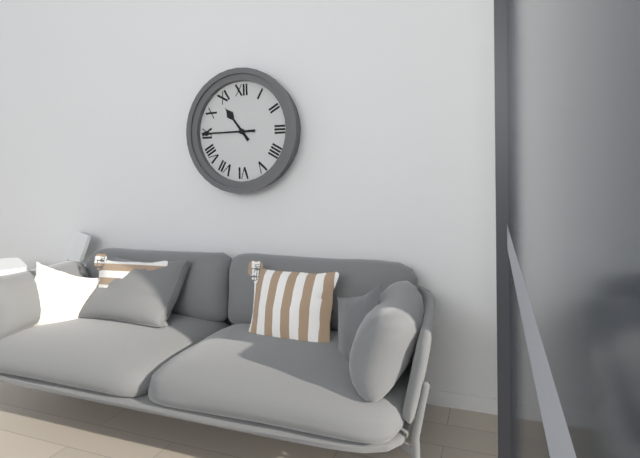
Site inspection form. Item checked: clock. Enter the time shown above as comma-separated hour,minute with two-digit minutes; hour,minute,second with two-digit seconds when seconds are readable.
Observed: 10,45
